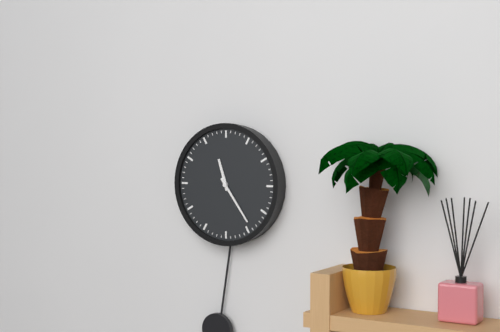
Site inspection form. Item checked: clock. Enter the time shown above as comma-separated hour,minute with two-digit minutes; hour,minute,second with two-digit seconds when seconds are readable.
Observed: 11,24
